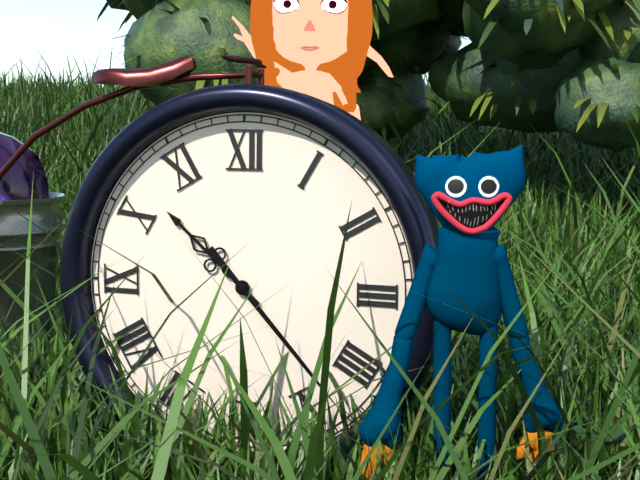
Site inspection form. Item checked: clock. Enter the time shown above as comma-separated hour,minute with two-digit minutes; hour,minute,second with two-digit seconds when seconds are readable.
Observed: 10,23
